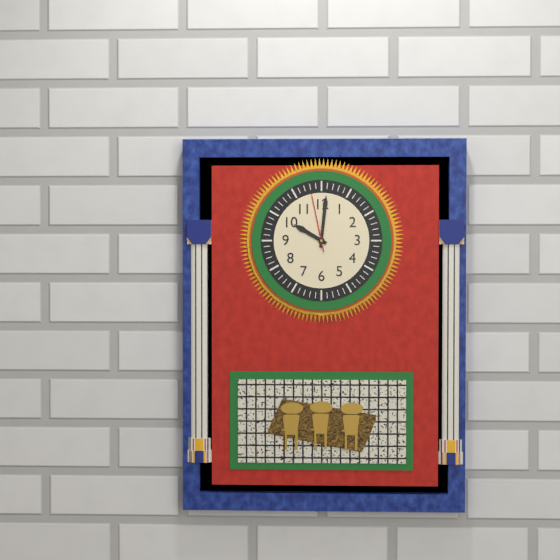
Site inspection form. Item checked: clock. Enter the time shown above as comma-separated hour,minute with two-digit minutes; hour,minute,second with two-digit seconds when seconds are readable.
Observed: 10,01,58
